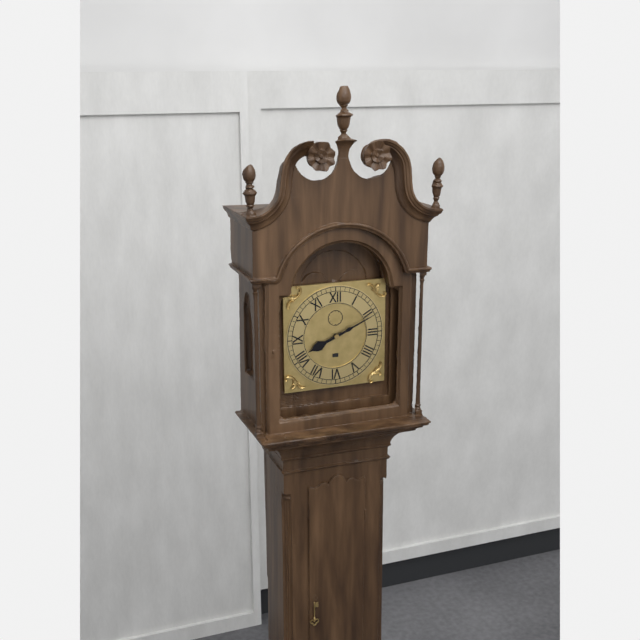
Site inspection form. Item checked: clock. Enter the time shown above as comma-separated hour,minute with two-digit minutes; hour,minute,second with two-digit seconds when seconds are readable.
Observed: 8,11
